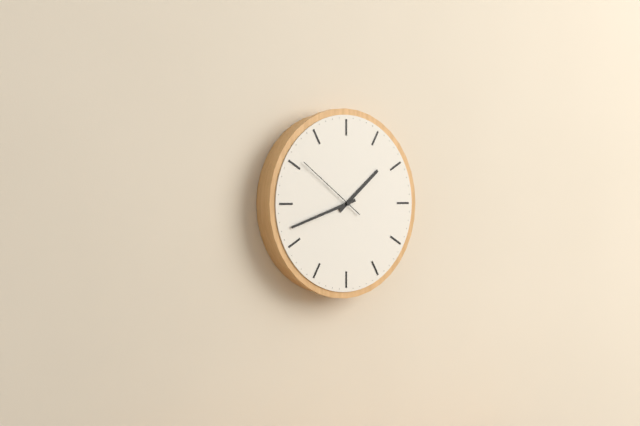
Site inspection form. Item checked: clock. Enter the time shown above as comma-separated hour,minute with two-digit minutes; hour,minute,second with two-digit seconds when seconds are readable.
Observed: 1,42,51
